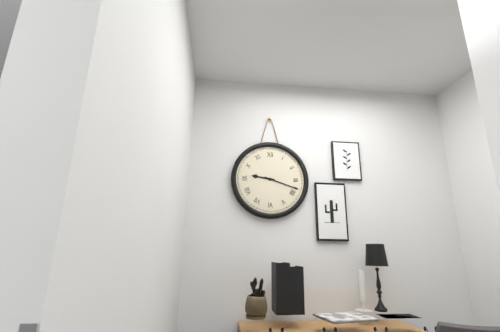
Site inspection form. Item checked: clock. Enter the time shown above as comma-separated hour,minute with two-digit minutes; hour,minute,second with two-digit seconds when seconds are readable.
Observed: 9,18
